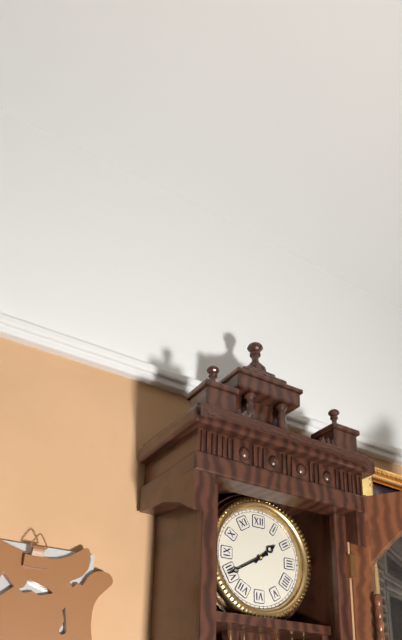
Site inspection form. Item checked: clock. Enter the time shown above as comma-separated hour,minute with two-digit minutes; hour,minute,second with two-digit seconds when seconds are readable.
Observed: 1,40
